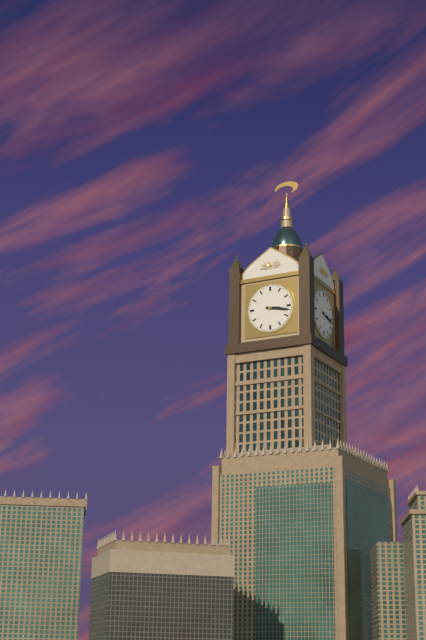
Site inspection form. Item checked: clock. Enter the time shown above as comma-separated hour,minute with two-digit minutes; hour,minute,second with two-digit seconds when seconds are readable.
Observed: 3,17
